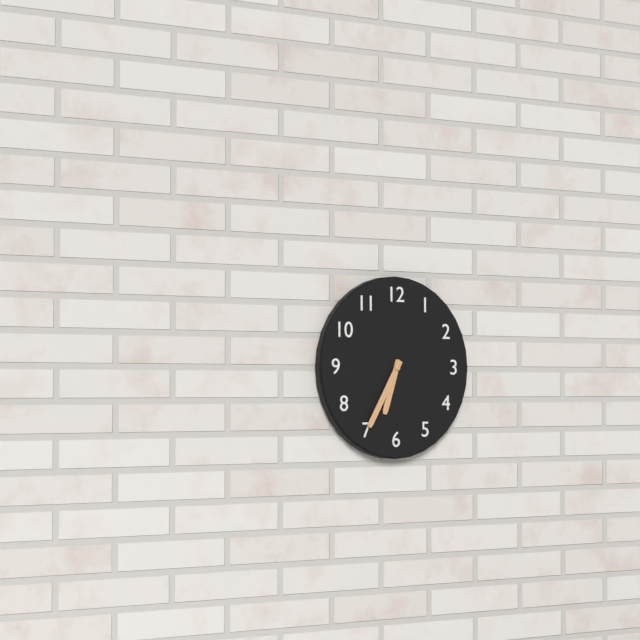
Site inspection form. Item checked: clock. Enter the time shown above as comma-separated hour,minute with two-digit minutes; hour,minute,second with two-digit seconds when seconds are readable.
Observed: 6,35
